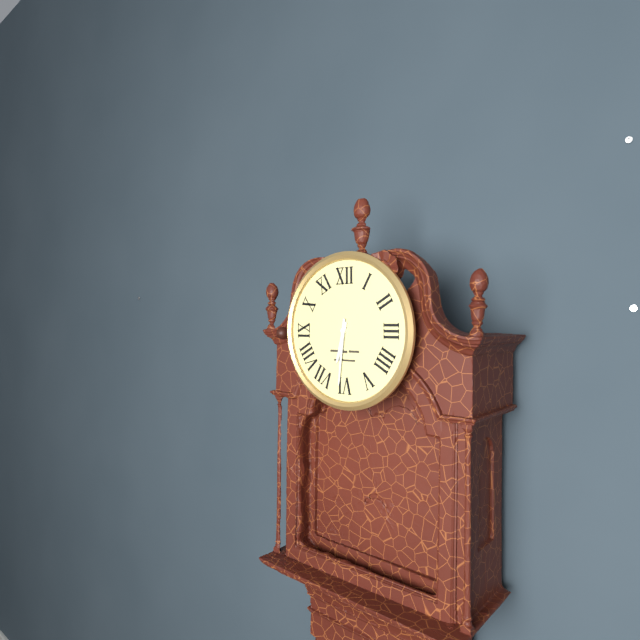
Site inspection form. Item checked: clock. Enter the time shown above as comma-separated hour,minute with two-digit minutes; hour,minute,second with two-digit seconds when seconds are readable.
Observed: 6,31
